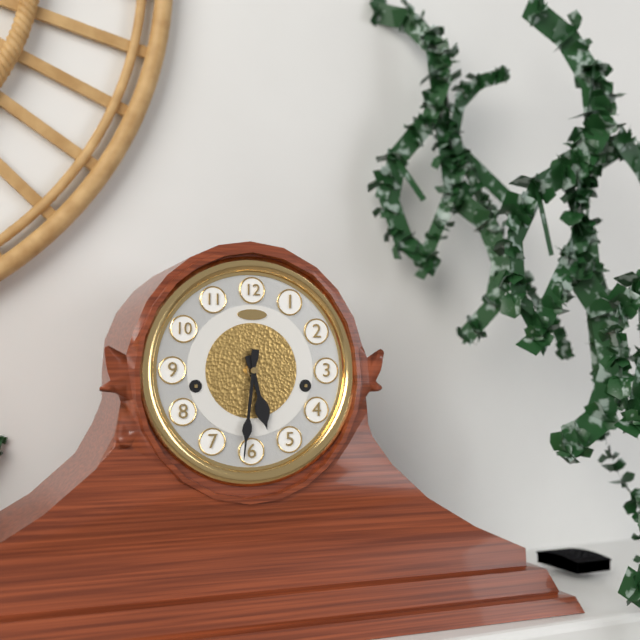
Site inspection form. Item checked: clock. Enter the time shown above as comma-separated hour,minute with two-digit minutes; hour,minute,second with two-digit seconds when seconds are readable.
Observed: 5,31
